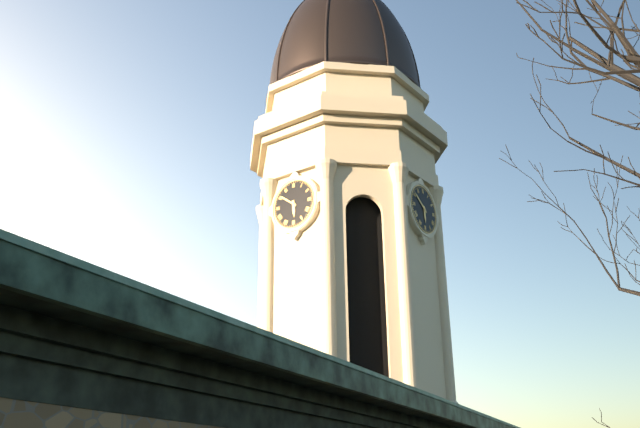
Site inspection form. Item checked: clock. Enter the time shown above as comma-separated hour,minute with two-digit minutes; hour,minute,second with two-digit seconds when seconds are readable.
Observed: 5,51
